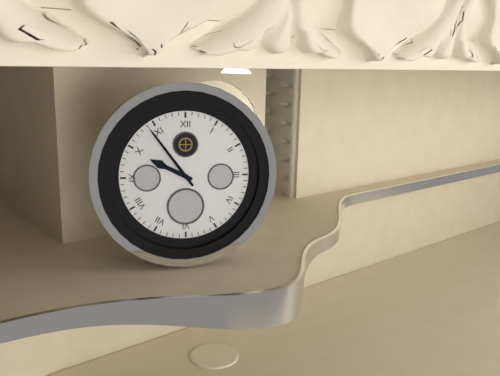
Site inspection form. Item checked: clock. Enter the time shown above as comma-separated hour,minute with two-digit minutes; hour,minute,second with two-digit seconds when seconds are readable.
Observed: 9,54
